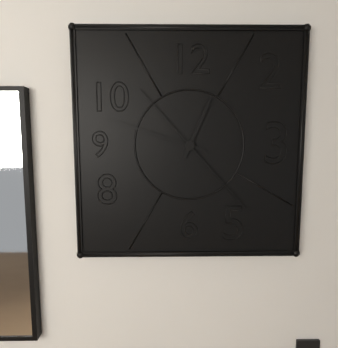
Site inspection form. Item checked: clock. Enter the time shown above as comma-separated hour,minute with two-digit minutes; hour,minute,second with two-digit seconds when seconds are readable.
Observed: 12,48,23
